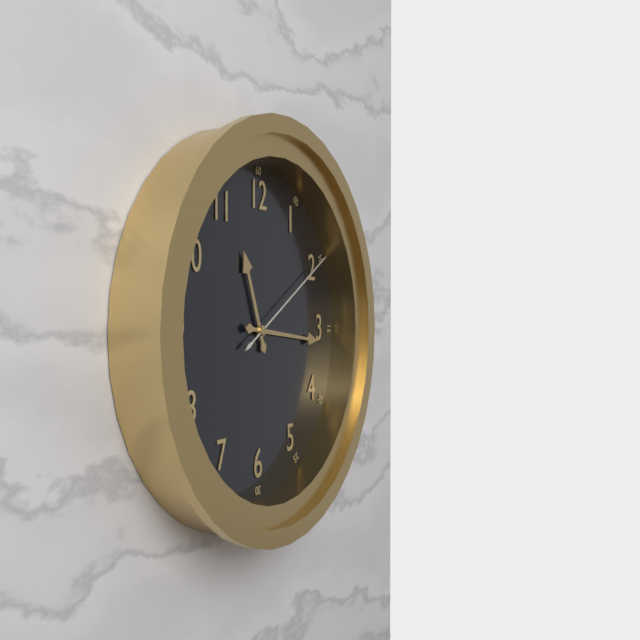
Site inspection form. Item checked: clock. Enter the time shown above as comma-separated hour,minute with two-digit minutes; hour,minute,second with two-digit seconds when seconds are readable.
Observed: 11,16,10
